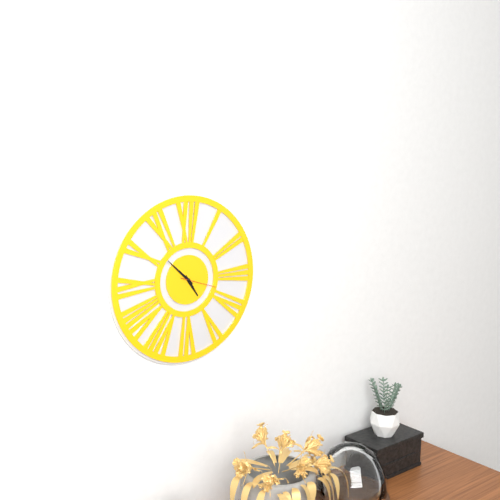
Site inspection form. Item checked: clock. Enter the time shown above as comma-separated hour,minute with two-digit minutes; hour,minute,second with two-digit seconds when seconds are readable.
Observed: 4,52
